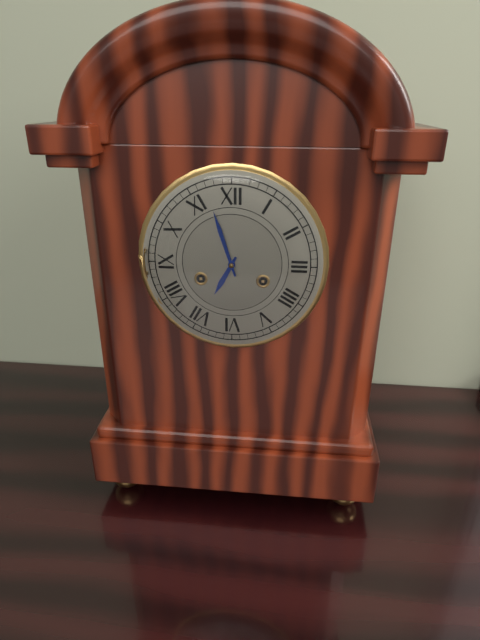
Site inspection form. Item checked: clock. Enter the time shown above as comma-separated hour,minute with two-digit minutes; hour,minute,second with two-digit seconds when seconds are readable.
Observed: 6,57
